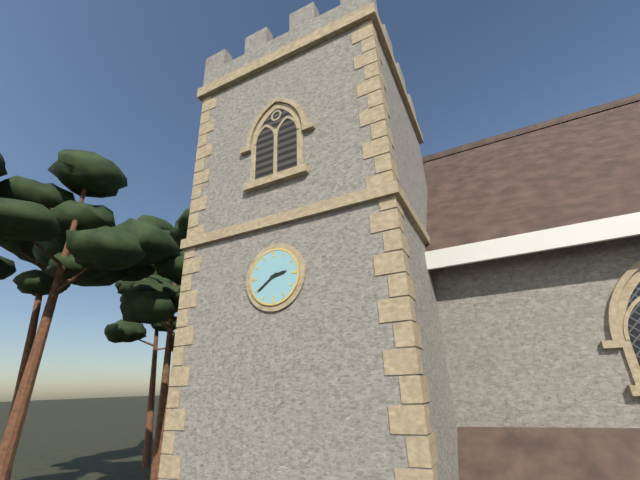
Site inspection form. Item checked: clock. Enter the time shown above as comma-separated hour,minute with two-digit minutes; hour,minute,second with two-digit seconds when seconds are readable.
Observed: 2,39
